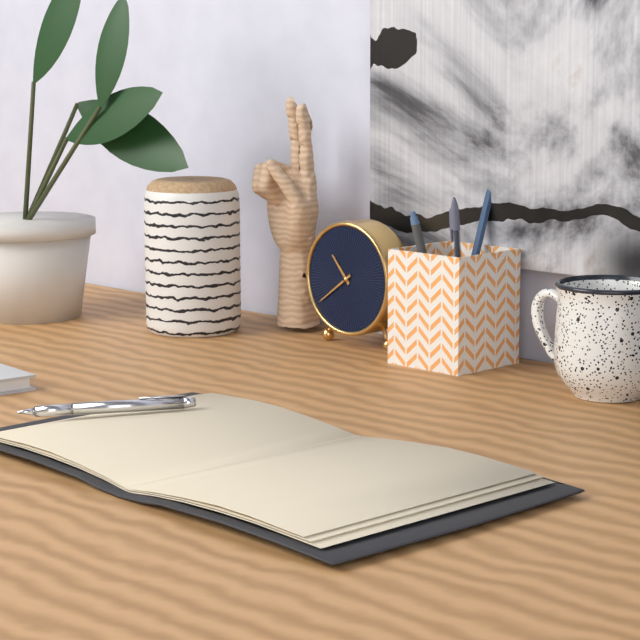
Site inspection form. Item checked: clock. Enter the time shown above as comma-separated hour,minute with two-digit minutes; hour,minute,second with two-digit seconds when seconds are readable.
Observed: 10,39
